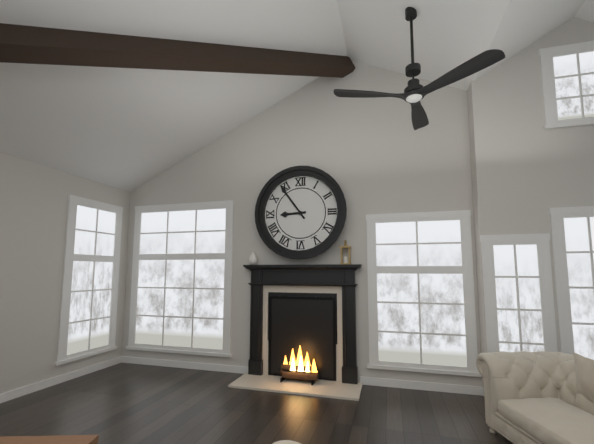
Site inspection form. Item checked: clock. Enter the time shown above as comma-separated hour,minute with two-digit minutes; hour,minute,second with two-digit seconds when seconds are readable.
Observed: 8,54
